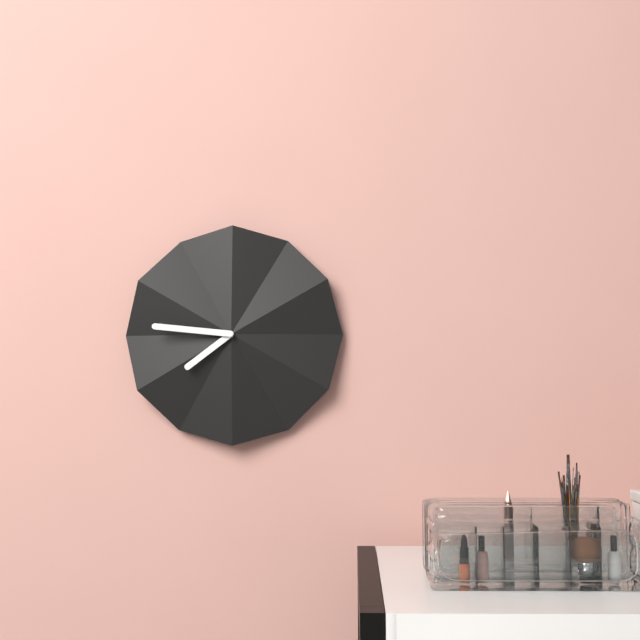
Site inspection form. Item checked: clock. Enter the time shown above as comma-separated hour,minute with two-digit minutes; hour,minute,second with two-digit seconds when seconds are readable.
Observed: 7,46
